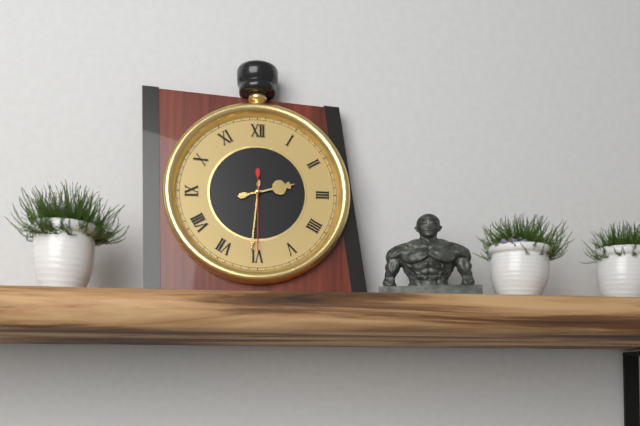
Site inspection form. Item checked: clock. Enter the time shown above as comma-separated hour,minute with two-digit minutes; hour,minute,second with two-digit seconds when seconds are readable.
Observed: 2,31,30
